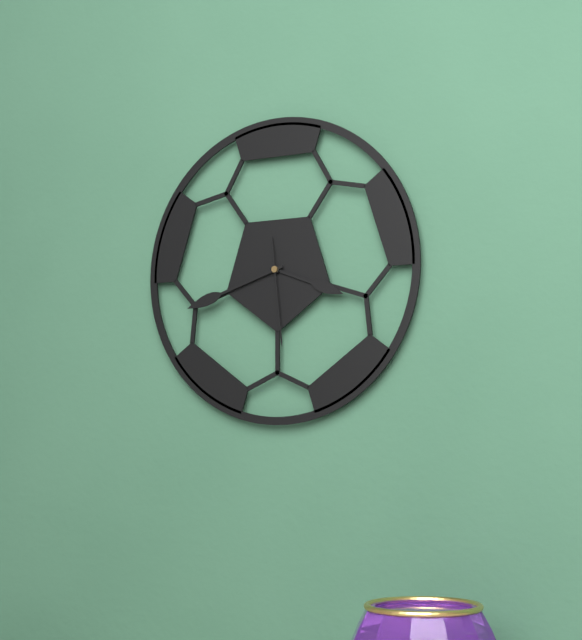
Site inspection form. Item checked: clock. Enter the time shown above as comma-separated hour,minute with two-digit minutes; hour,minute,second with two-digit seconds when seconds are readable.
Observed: 3,42,29
